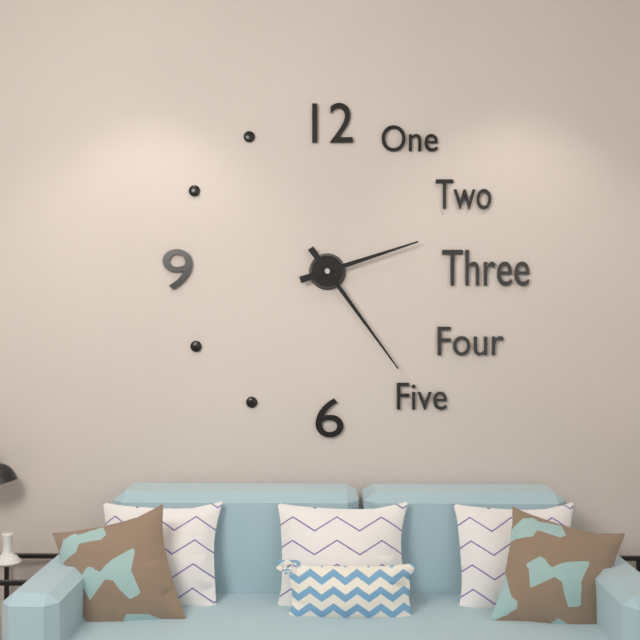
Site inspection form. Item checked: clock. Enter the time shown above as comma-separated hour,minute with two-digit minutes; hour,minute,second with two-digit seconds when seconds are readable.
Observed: 2,24
